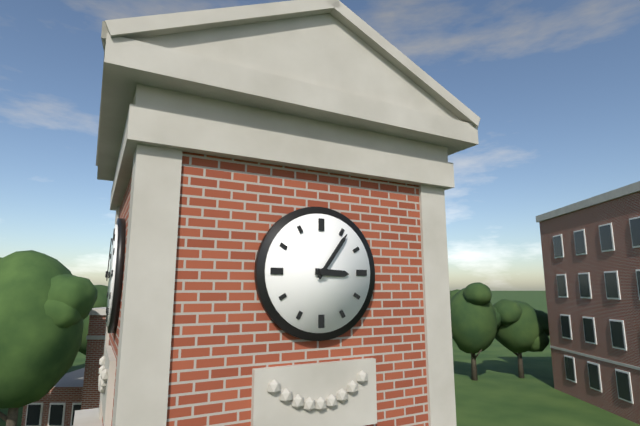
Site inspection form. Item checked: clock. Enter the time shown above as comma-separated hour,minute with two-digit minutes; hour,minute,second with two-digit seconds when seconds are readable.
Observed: 3,06
